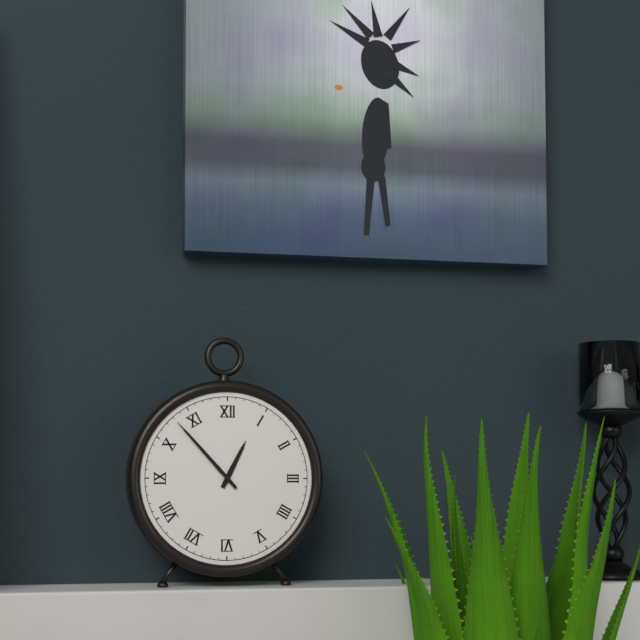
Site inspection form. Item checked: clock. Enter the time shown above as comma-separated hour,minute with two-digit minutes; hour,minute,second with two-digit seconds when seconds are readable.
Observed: 12,53
